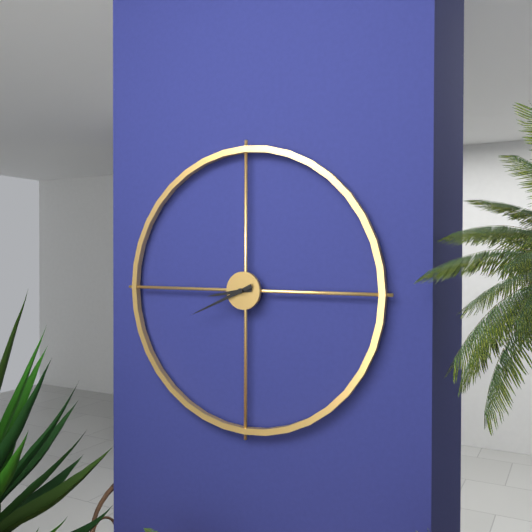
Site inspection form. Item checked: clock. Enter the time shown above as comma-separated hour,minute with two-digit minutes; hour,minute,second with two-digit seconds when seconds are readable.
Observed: 8,41
